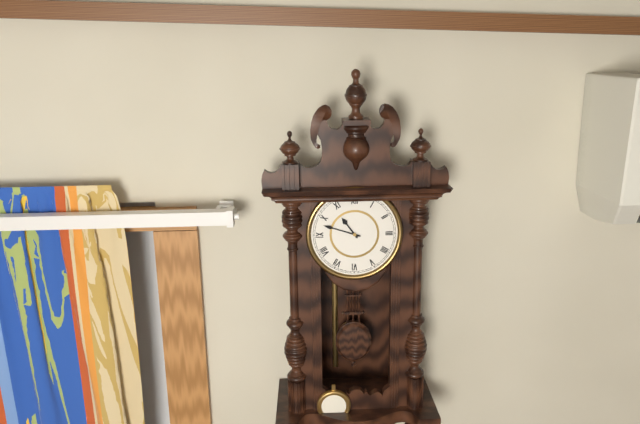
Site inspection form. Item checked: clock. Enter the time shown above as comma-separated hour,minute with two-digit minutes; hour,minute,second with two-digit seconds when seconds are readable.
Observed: 10,48
